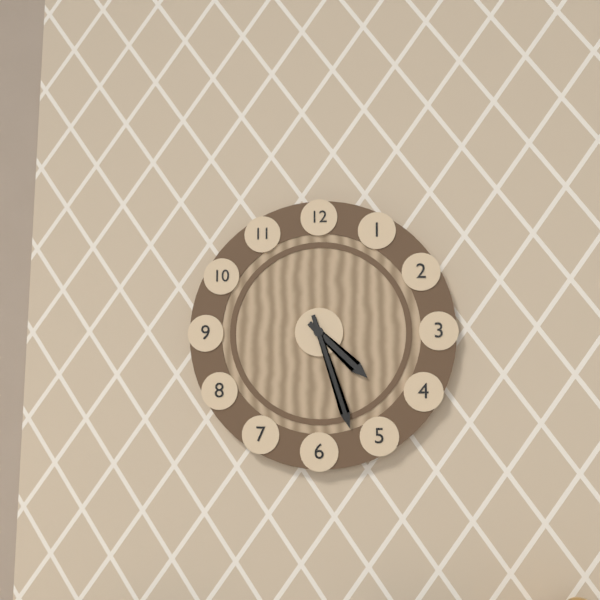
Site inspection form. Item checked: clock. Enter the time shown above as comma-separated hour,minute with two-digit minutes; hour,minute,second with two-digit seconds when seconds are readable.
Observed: 4,27
